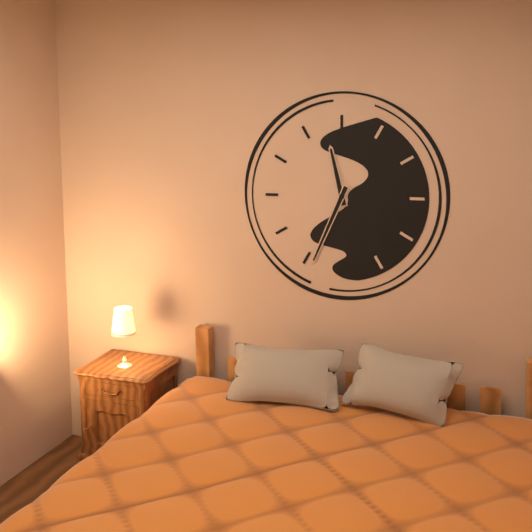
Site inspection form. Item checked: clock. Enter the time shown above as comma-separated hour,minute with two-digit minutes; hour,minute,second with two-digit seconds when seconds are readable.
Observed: 11,34
